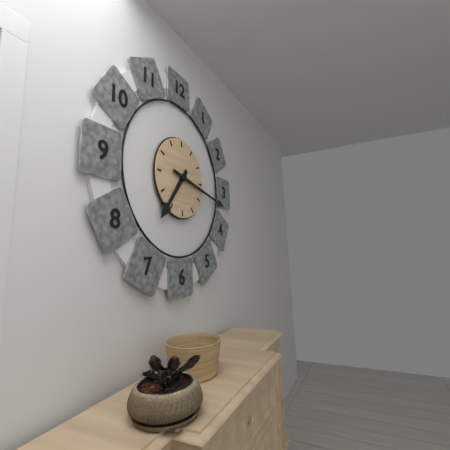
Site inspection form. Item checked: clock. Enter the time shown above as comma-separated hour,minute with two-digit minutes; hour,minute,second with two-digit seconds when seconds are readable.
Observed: 7,17
